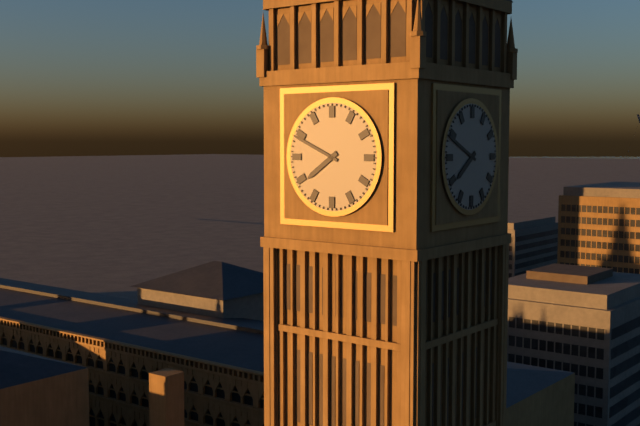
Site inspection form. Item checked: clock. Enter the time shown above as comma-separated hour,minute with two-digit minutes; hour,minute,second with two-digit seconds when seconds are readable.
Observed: 7,49
